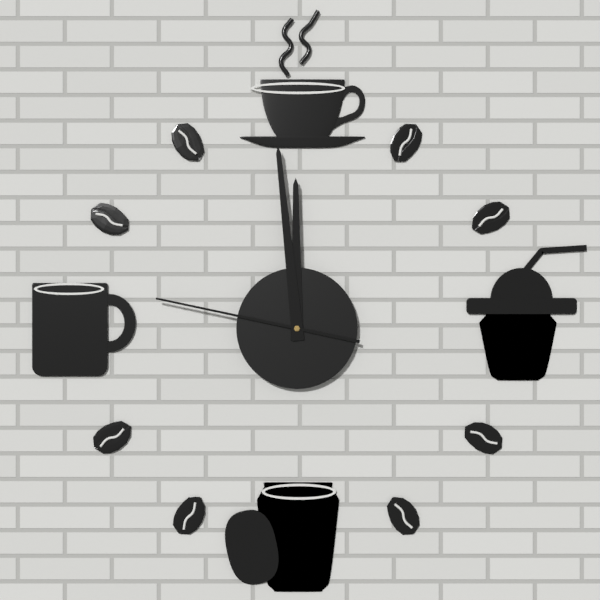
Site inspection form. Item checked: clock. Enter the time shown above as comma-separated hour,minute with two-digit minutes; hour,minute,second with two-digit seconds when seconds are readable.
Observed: 11,59,47
